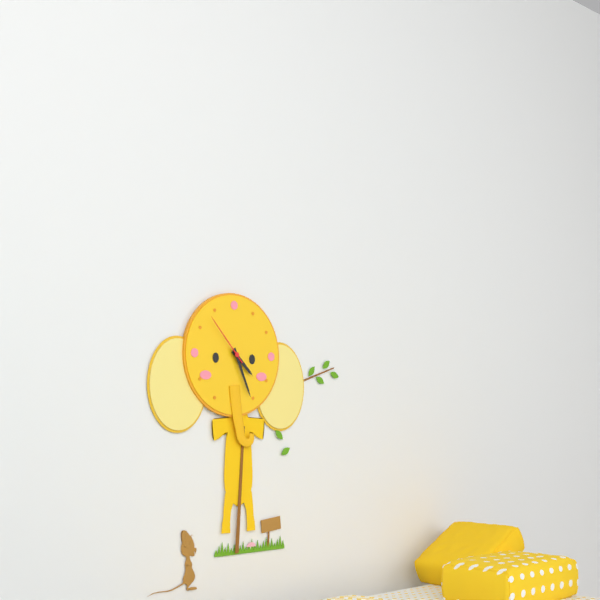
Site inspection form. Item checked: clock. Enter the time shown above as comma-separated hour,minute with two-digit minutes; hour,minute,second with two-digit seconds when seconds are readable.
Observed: 4,26,53
